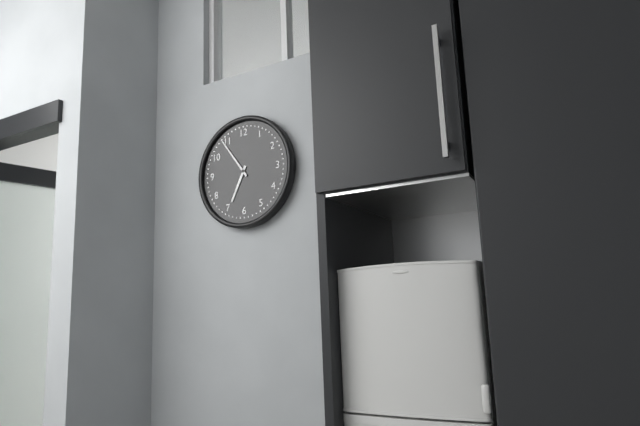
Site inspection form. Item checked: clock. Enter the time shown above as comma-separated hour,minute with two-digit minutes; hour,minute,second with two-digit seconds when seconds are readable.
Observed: 6,54
